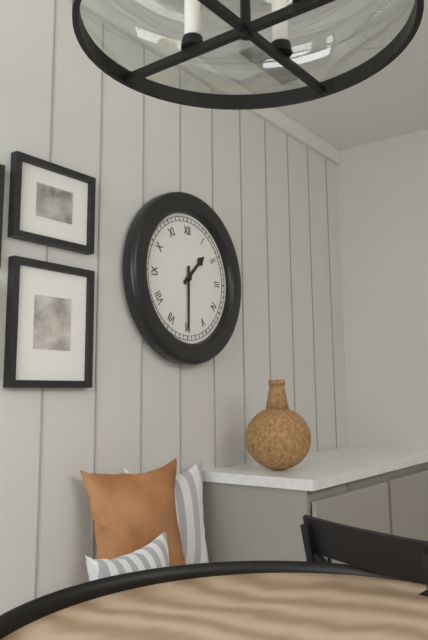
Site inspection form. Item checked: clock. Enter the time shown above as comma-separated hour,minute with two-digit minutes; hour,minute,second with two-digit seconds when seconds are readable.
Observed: 1,30
